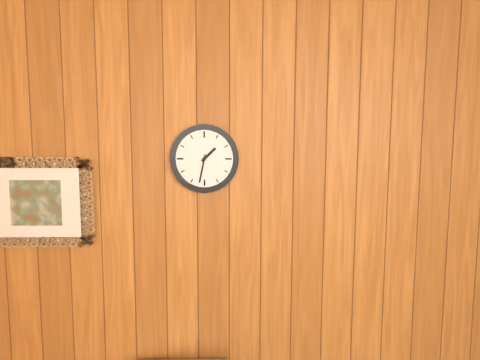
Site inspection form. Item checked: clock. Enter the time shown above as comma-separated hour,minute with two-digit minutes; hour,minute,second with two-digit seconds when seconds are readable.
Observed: 1,32
